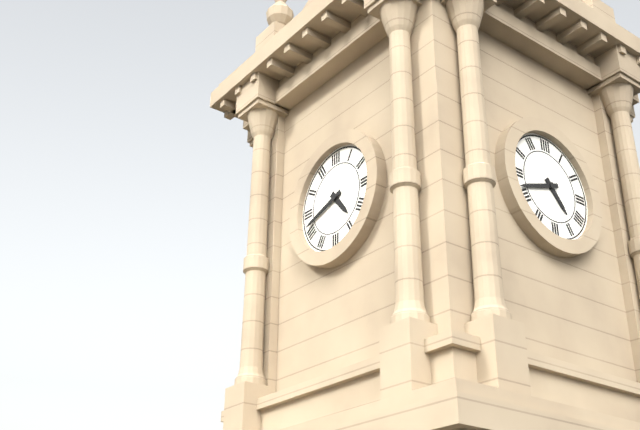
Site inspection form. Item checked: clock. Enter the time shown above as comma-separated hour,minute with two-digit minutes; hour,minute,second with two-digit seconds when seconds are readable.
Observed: 4,42
